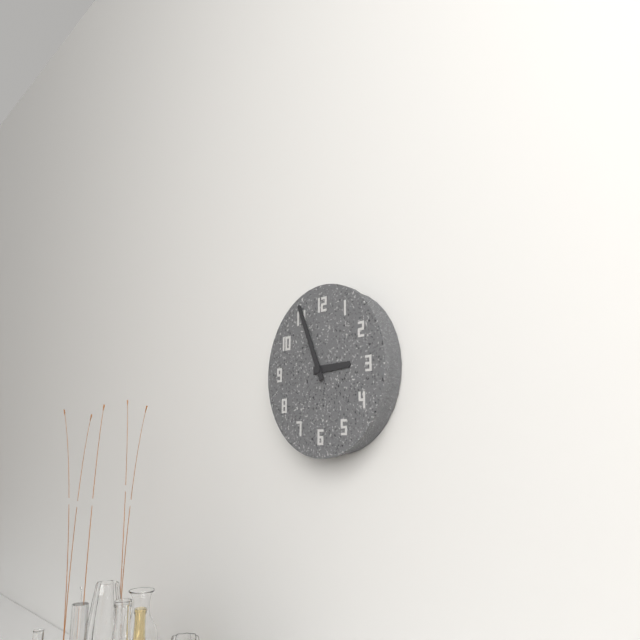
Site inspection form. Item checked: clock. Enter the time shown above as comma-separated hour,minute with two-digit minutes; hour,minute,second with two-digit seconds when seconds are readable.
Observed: 2,56
